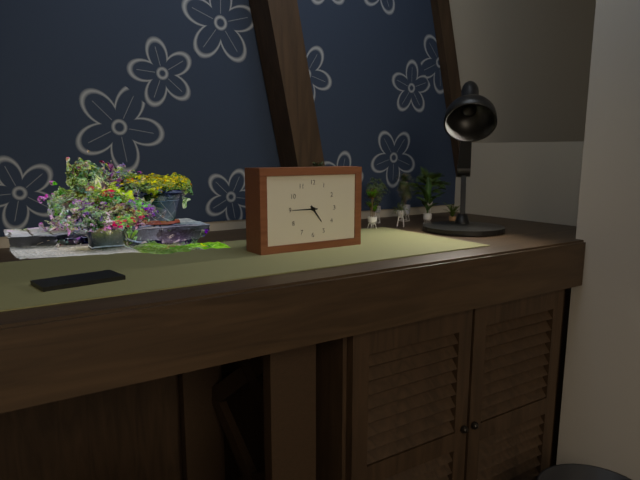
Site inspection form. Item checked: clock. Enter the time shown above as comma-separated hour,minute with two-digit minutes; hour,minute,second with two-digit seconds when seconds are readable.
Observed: 4,45
